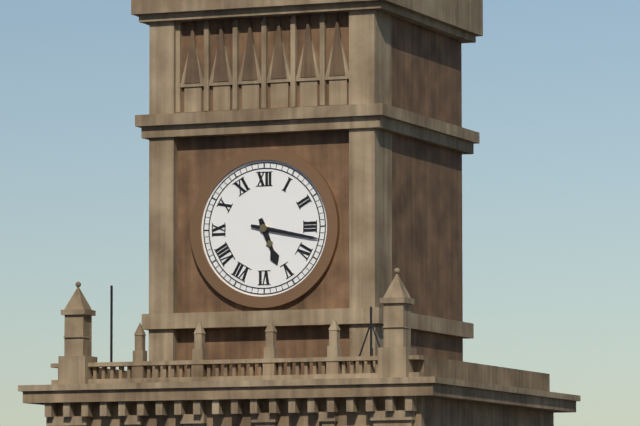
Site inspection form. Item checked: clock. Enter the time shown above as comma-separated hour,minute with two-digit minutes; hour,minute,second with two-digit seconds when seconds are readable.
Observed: 5,17
